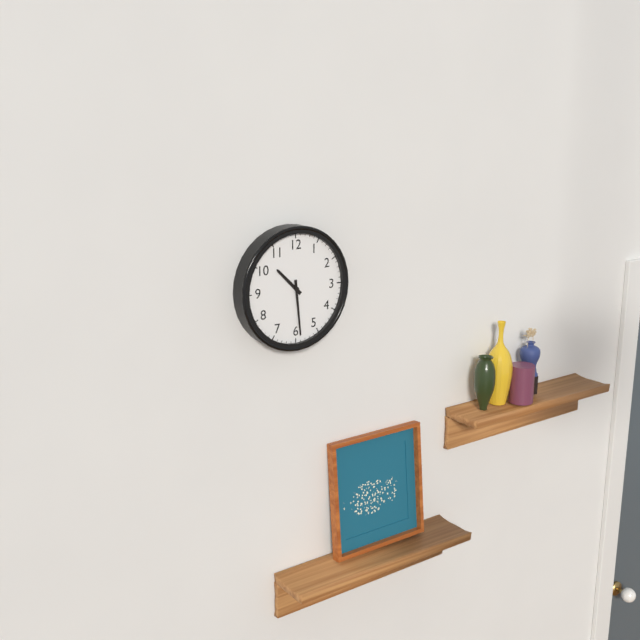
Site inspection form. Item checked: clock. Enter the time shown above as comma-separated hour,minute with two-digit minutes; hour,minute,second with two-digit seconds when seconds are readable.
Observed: 10,29
